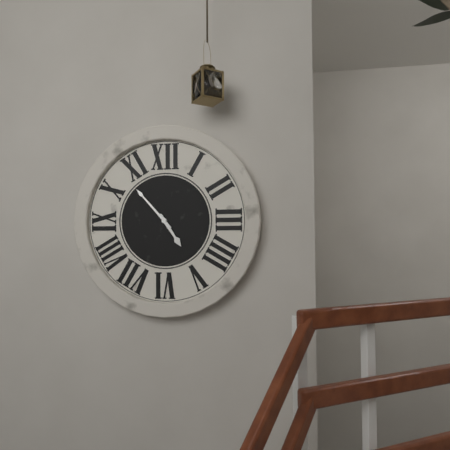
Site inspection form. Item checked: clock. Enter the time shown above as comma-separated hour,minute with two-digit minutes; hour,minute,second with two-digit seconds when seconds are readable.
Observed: 4,53
